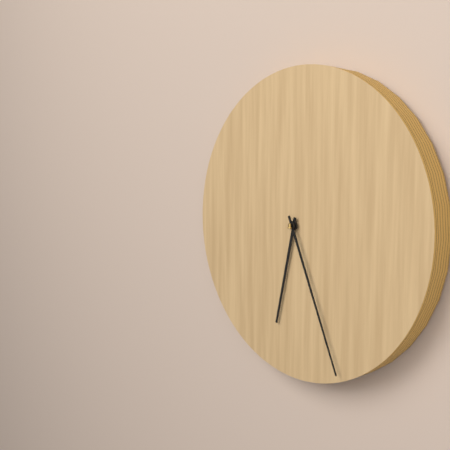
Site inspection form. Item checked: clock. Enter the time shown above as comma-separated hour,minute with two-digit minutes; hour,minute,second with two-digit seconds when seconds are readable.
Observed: 6,26
